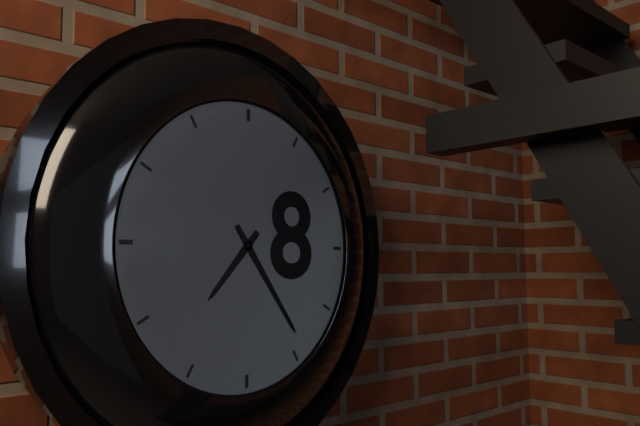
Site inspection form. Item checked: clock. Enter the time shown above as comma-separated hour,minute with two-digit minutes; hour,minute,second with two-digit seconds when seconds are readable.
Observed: 7,24
